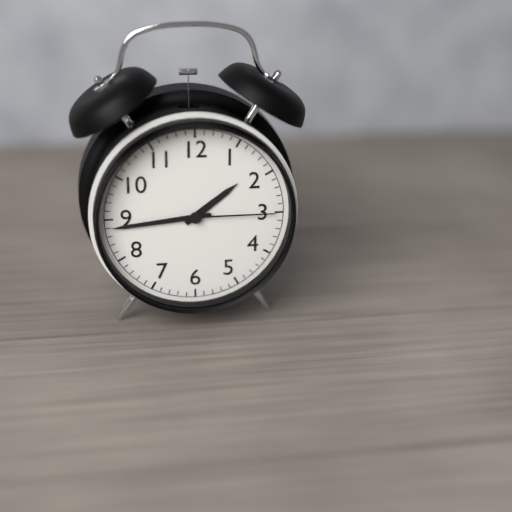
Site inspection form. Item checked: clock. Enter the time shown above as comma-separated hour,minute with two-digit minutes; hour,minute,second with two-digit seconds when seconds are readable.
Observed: 1,44,15
